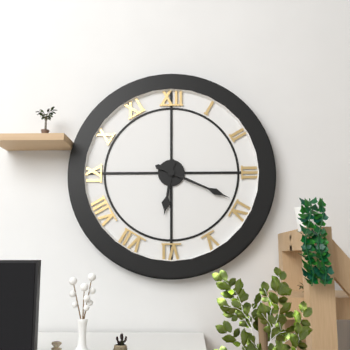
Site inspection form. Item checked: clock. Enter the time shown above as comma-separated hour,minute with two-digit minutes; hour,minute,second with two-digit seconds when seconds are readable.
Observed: 6,19
